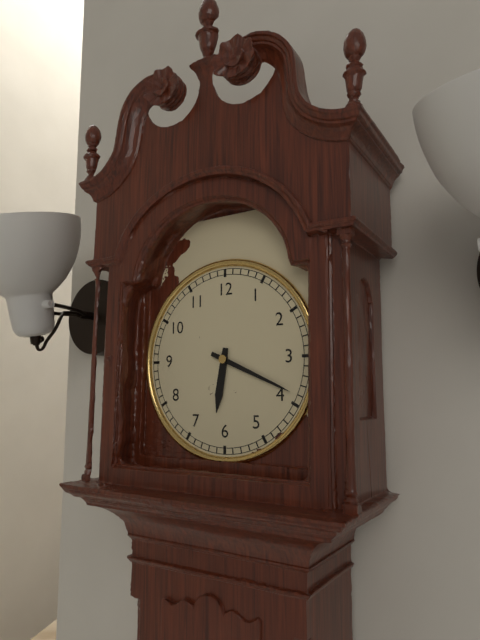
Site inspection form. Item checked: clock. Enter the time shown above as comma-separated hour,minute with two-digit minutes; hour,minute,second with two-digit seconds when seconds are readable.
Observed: 6,19
